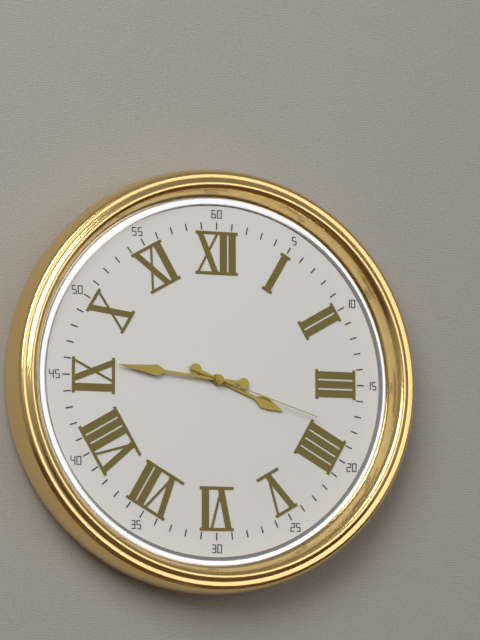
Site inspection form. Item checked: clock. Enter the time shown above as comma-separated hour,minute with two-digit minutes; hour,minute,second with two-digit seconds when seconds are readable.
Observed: 3,46,18
